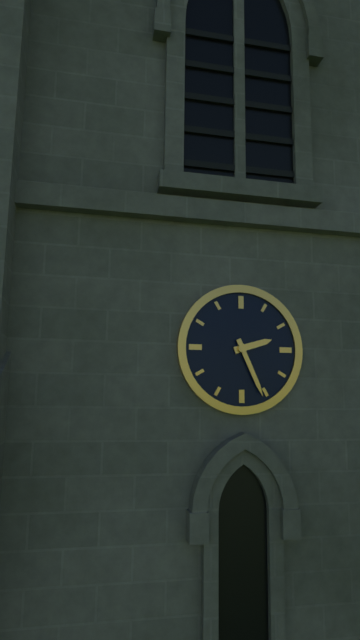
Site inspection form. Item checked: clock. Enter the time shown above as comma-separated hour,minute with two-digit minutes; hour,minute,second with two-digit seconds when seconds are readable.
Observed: 2,26
